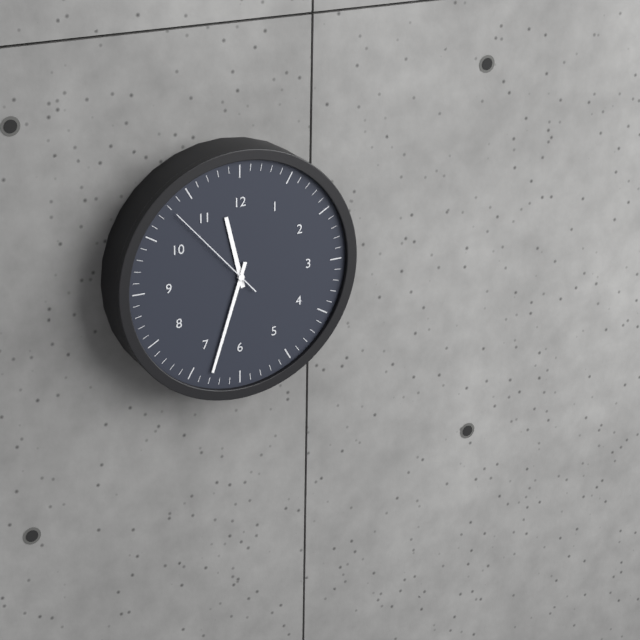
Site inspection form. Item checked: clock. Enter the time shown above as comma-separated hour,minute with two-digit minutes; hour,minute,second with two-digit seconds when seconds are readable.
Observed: 11,33,53
